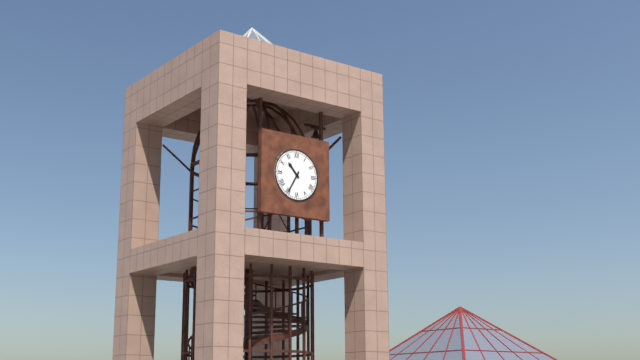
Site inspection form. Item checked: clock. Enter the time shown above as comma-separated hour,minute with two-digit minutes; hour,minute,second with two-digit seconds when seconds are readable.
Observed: 10,35
